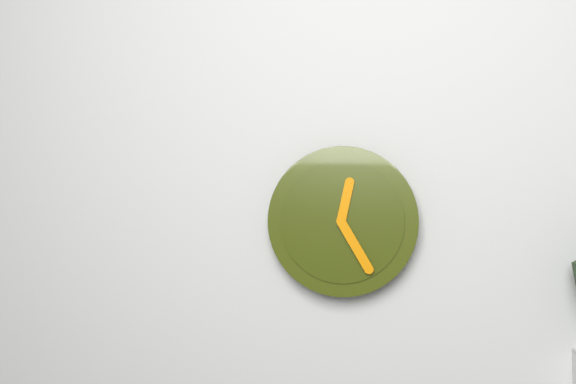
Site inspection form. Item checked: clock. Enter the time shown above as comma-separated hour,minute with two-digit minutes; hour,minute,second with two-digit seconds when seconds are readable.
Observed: 12,25
